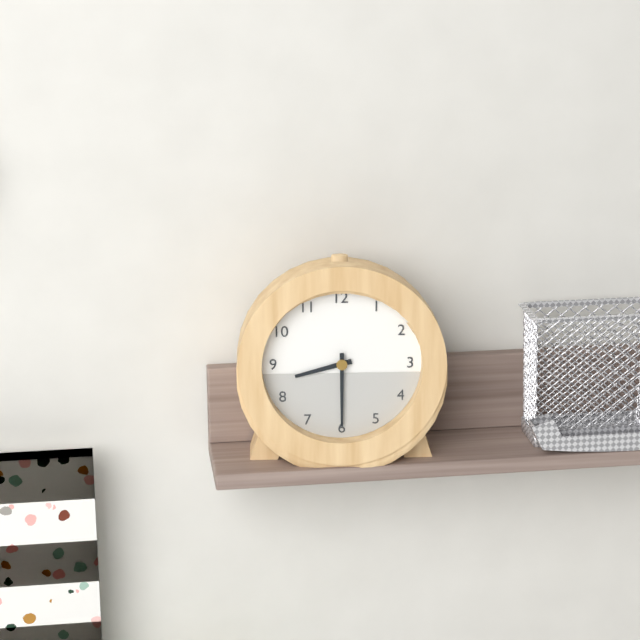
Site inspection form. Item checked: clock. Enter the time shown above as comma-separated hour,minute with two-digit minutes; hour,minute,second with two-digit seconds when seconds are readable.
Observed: 8,30
